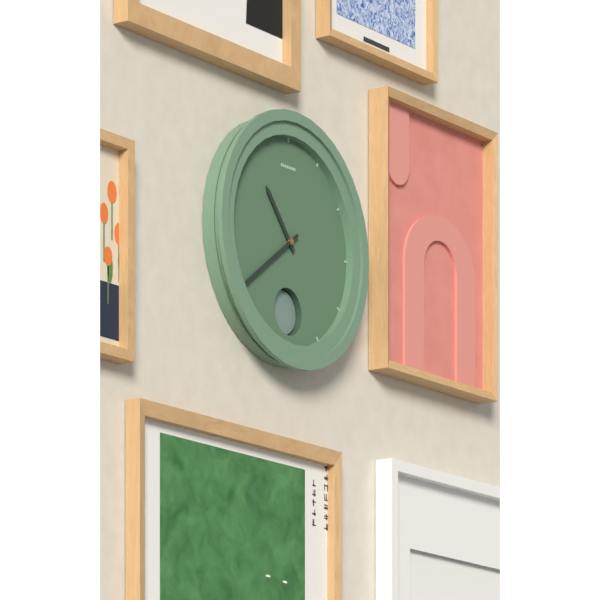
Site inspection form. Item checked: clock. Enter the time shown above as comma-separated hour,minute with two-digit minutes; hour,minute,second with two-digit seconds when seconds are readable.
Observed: 10,39
